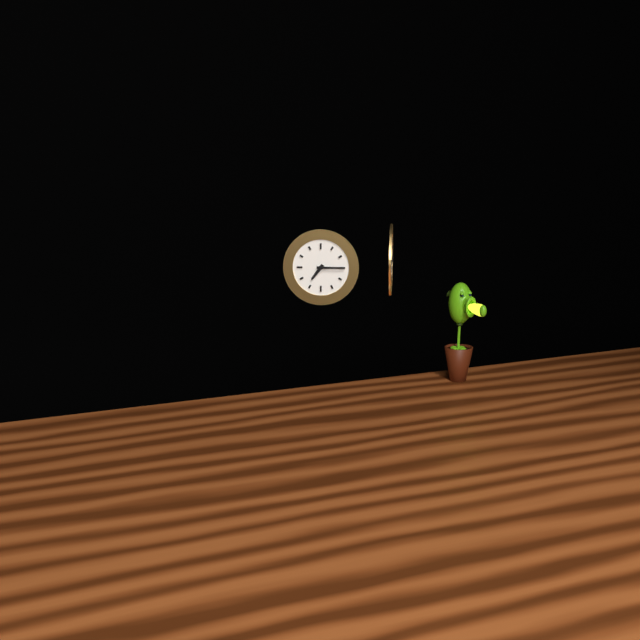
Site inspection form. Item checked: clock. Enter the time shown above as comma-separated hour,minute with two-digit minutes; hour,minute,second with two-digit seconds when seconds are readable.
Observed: 7,15
